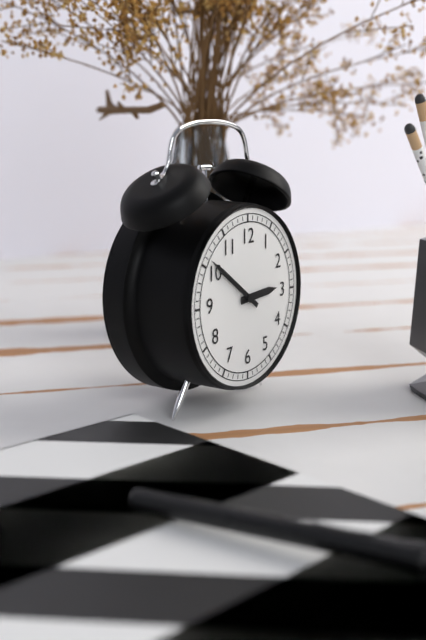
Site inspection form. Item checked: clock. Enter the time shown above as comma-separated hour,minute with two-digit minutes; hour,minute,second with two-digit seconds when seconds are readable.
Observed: 2,51
